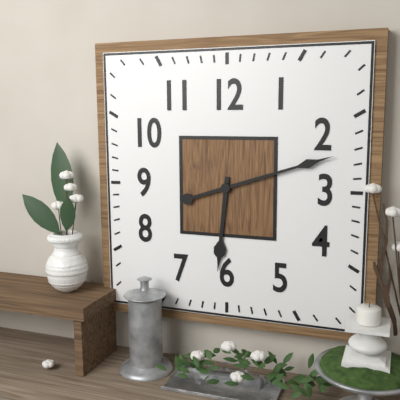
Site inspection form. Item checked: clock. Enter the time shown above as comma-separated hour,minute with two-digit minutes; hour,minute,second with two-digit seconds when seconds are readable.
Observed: 6,12
